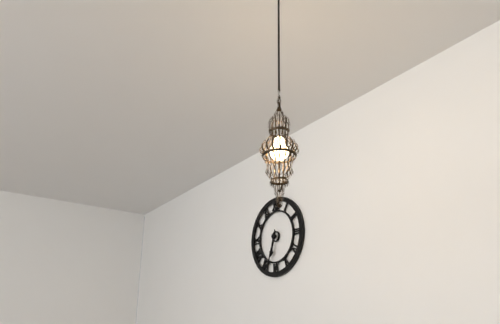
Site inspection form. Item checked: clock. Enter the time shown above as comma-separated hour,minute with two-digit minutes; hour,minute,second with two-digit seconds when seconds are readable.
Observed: 6,33
